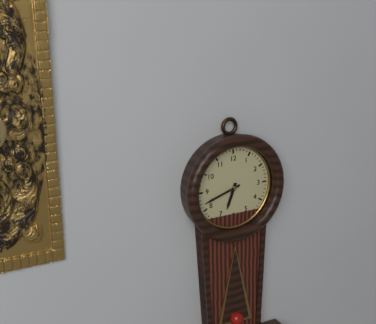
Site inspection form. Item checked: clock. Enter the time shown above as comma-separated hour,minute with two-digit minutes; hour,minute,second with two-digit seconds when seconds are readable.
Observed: 6,42
